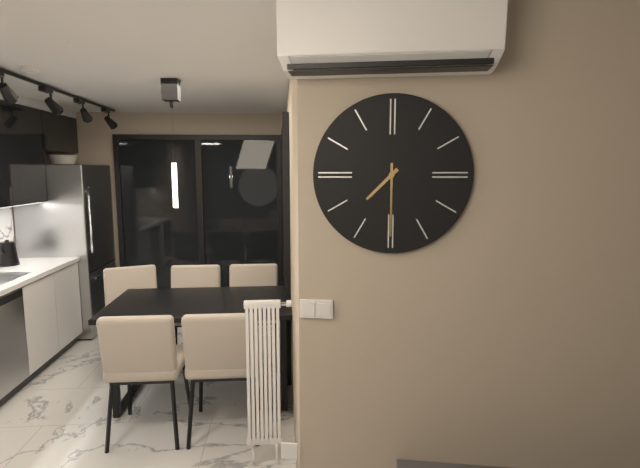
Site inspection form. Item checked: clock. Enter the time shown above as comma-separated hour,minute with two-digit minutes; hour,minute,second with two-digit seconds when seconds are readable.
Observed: 7,30
